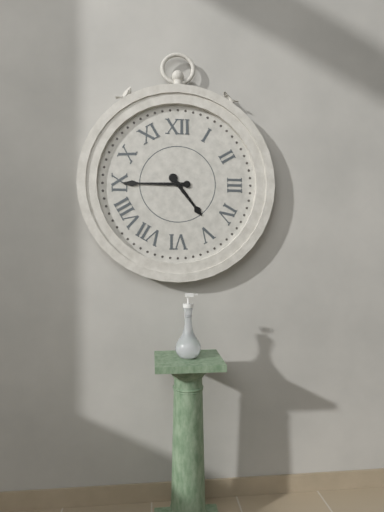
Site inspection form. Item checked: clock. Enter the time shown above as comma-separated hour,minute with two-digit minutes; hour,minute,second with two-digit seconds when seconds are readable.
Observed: 4,45
